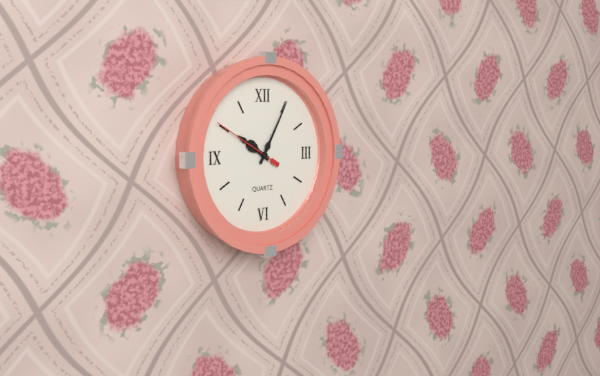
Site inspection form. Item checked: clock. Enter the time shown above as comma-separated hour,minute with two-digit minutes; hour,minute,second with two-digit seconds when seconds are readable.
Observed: 10,05,50
